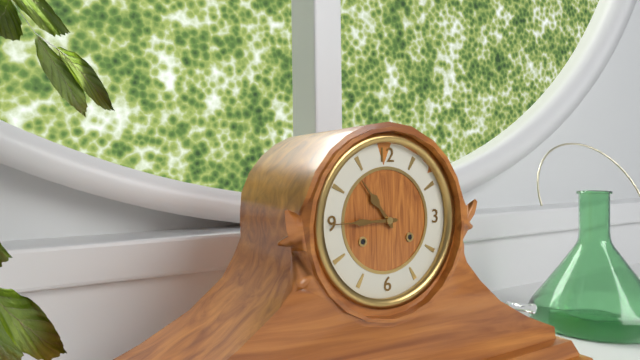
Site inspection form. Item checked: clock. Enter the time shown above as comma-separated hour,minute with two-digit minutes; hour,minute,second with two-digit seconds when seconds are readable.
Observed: 10,45
